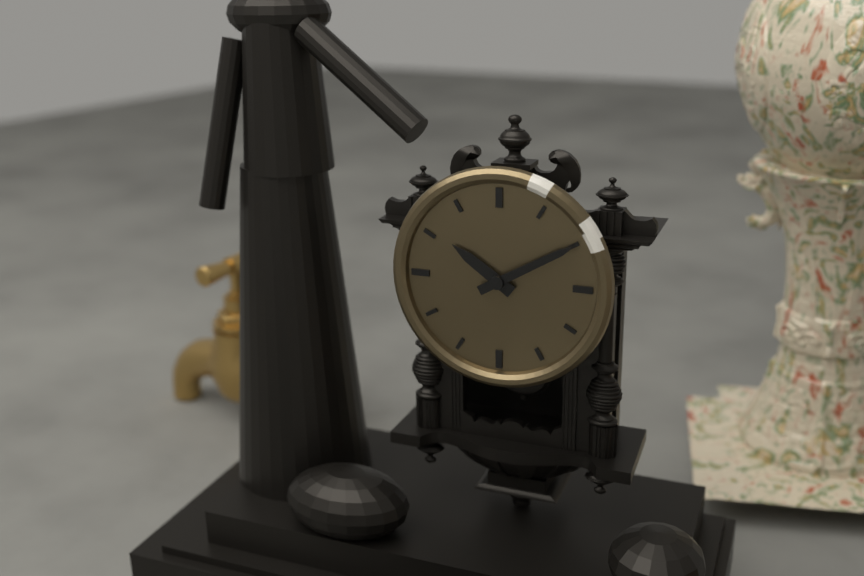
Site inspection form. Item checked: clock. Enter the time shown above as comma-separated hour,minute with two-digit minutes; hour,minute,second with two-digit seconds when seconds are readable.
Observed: 10,10
